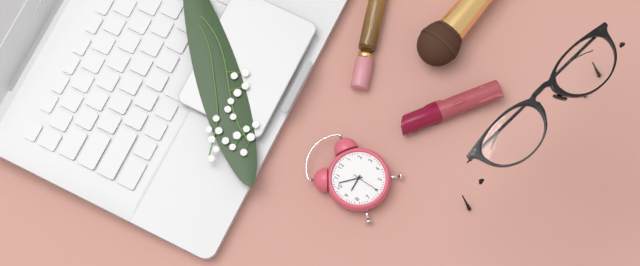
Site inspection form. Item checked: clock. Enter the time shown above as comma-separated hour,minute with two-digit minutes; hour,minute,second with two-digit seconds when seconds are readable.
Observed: 8,52
